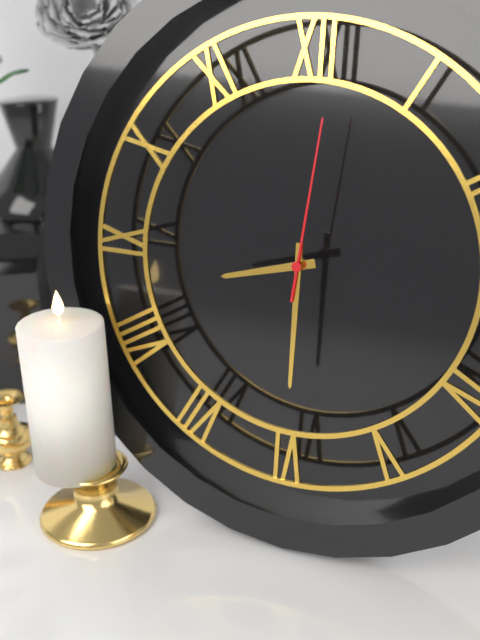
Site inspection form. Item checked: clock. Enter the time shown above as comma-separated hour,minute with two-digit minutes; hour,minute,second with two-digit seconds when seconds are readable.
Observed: 8,30,01
